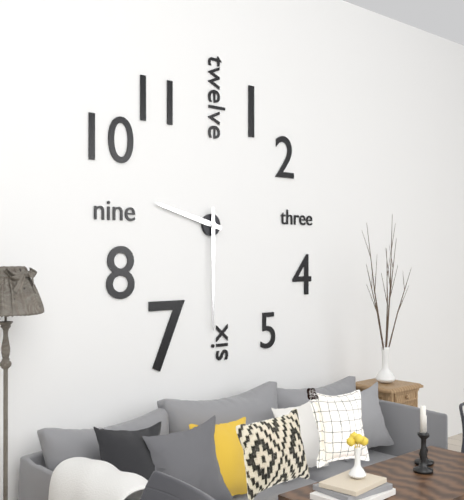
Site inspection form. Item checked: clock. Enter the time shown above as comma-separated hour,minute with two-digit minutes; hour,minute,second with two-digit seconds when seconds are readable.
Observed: 9,30
